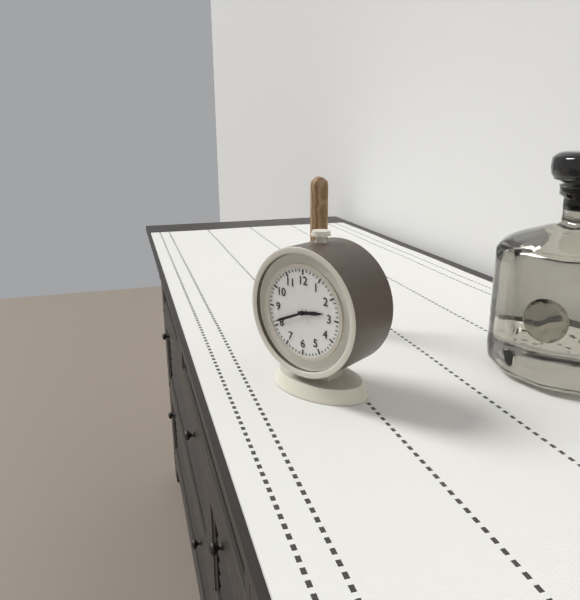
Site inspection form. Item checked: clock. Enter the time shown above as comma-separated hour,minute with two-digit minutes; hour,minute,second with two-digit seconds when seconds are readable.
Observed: 2,41
